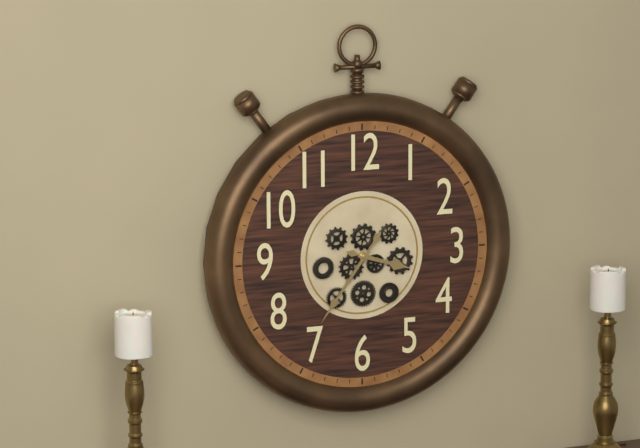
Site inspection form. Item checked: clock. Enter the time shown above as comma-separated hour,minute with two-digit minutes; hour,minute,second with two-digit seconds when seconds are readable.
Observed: 3,36
